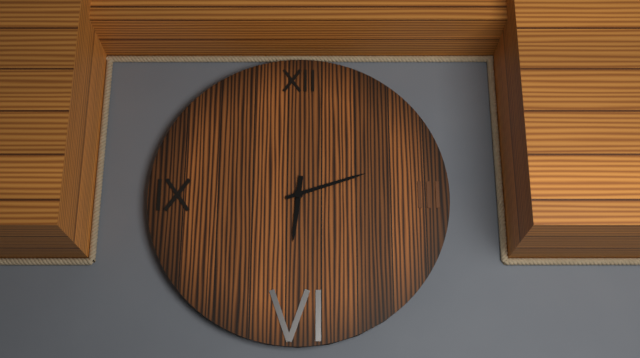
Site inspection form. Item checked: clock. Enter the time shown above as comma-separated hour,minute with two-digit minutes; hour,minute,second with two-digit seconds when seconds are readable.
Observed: 6,12
